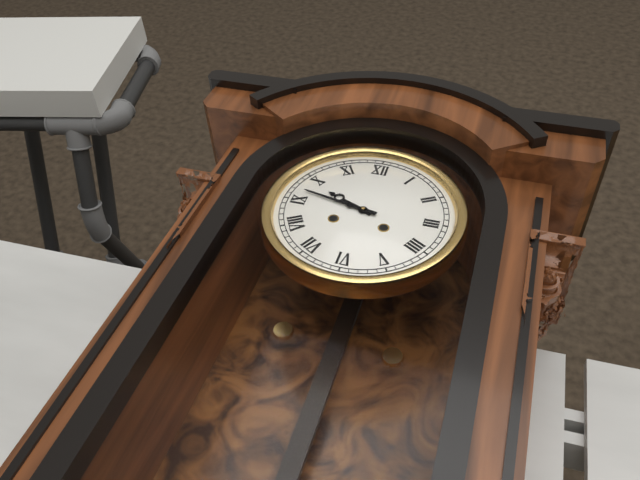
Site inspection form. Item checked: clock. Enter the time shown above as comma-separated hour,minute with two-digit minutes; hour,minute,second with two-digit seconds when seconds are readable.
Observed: 9,47
